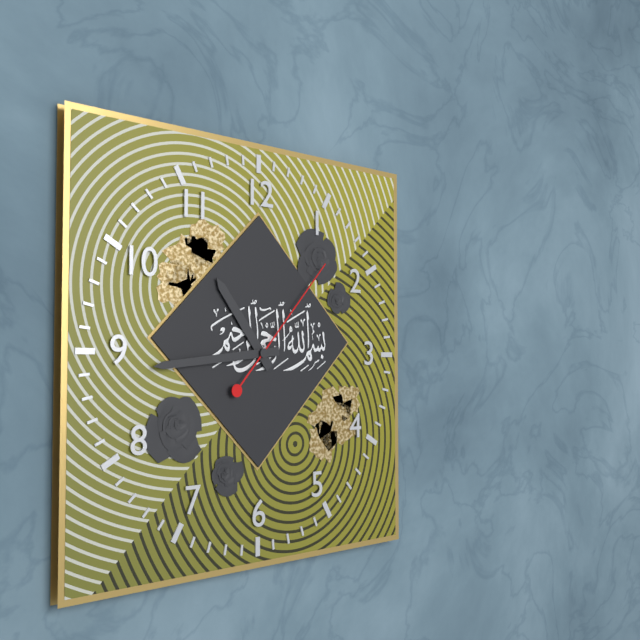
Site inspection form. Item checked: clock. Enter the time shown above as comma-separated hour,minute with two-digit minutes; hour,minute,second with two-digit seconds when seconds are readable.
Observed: 10,44,07
